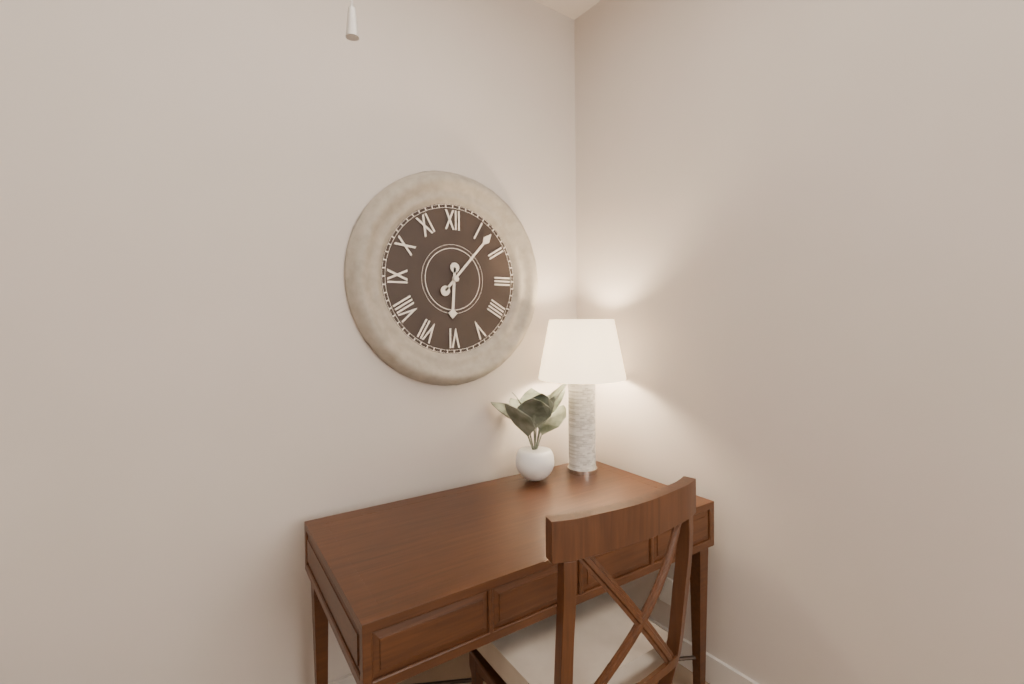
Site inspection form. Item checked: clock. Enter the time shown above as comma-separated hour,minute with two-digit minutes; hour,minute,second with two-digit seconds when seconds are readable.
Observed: 6,07
